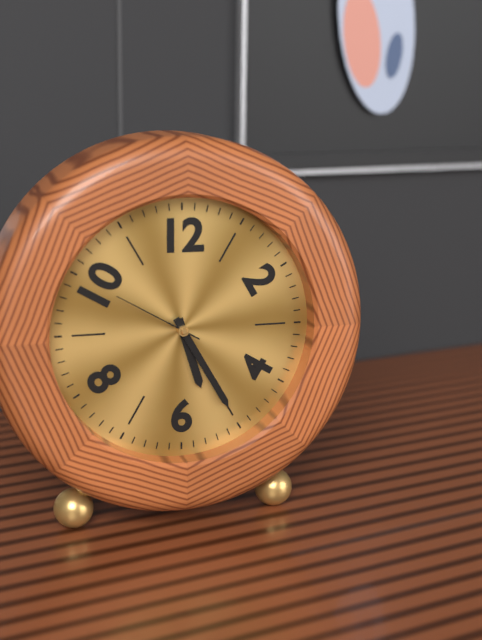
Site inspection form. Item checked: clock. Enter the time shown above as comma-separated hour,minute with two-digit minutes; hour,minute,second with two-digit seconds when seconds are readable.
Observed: 5,25,50
